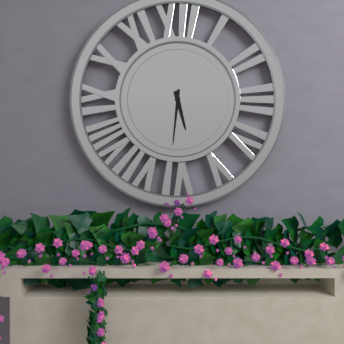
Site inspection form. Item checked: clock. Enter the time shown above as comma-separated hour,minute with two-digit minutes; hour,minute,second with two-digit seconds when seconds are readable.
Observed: 5,31
